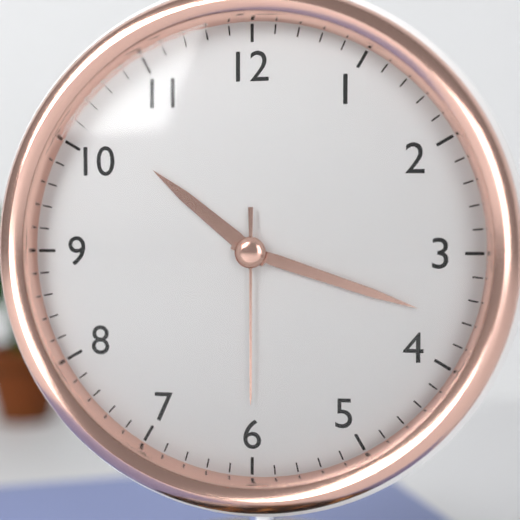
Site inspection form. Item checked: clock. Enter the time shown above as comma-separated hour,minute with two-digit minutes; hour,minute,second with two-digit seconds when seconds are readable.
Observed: 10,18,30
